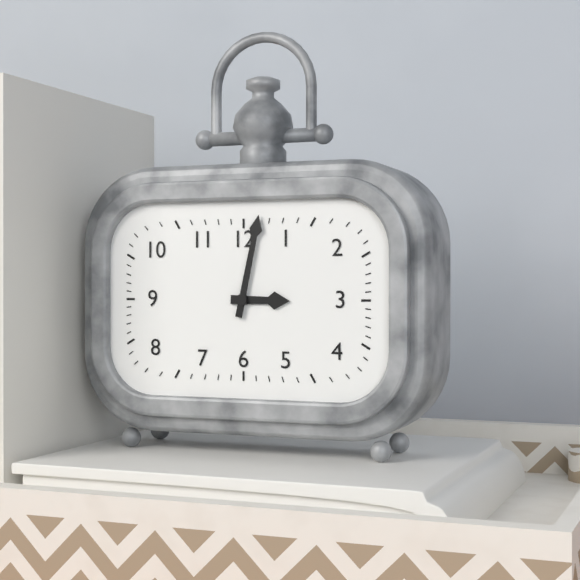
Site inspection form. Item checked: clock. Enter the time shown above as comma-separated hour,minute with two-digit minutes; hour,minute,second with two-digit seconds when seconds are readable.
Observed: 3,02
